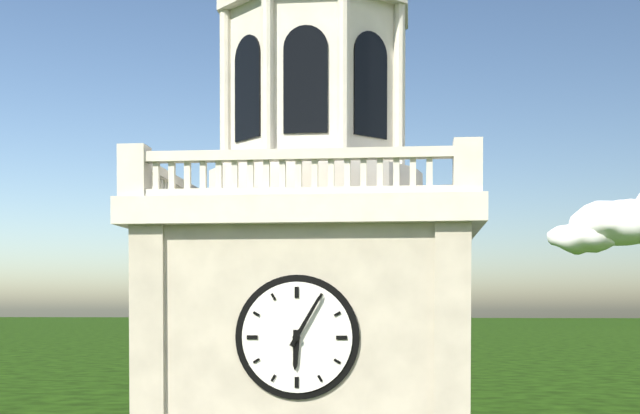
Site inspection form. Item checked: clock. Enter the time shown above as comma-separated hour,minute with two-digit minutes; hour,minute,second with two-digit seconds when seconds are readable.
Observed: 6,05
